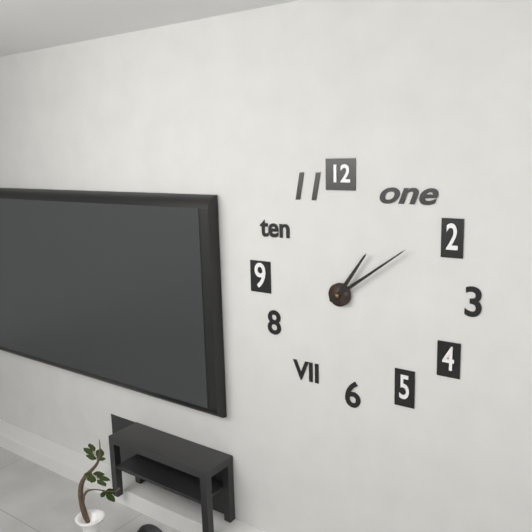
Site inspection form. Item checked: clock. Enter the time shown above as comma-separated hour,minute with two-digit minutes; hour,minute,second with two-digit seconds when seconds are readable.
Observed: 1,09
